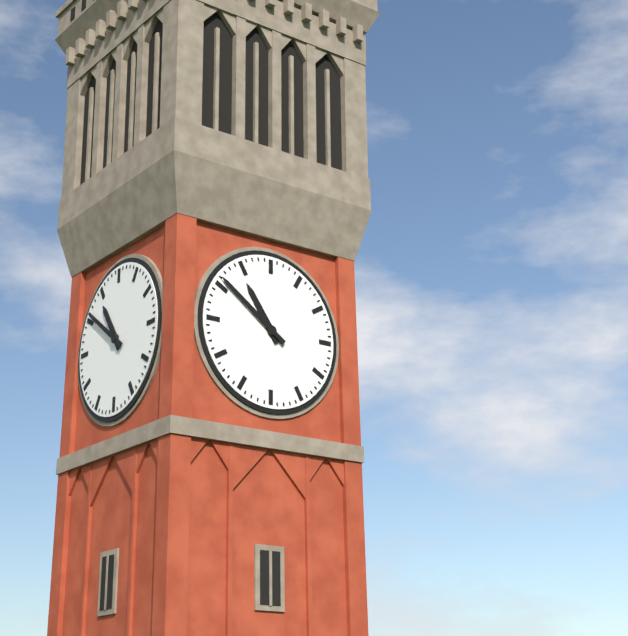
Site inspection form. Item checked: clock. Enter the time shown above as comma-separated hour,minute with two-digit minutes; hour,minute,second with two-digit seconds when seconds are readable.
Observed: 10,51
